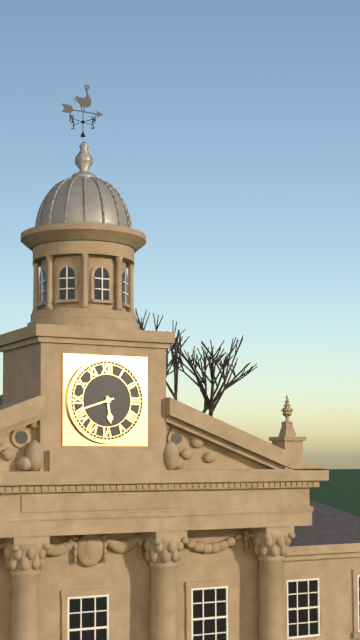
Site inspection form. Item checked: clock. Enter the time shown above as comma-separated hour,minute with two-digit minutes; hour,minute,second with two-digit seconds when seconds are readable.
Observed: 5,42
